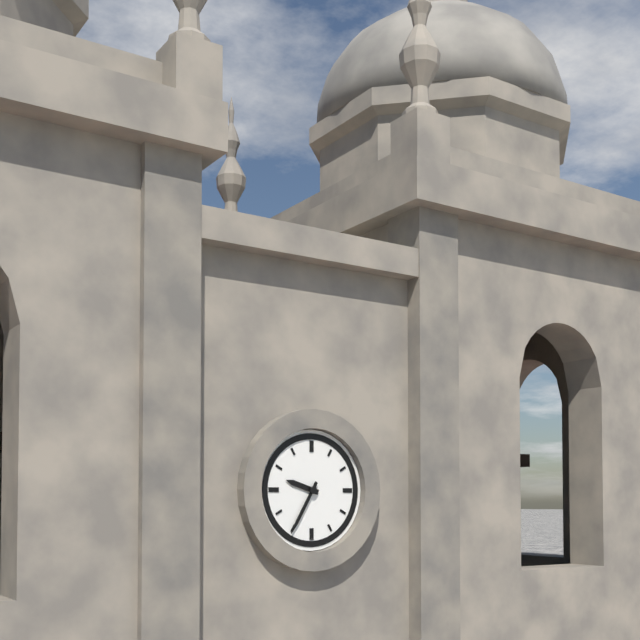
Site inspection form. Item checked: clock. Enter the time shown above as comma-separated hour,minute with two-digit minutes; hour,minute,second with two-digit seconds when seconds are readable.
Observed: 9,35
